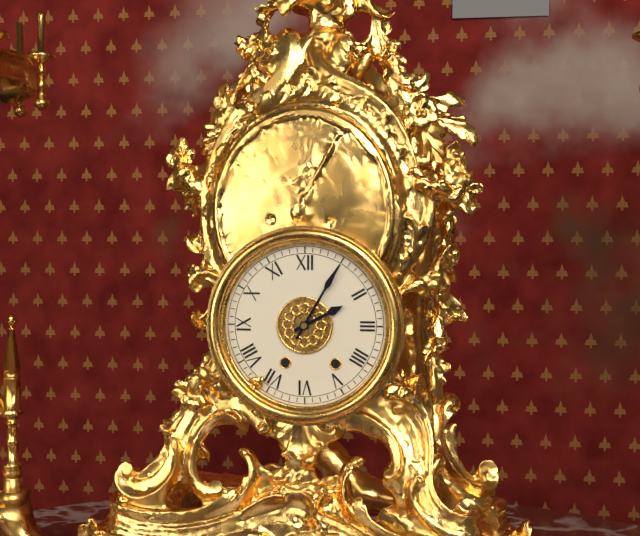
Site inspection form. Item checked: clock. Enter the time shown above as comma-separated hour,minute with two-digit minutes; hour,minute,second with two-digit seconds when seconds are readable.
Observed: 2,05
